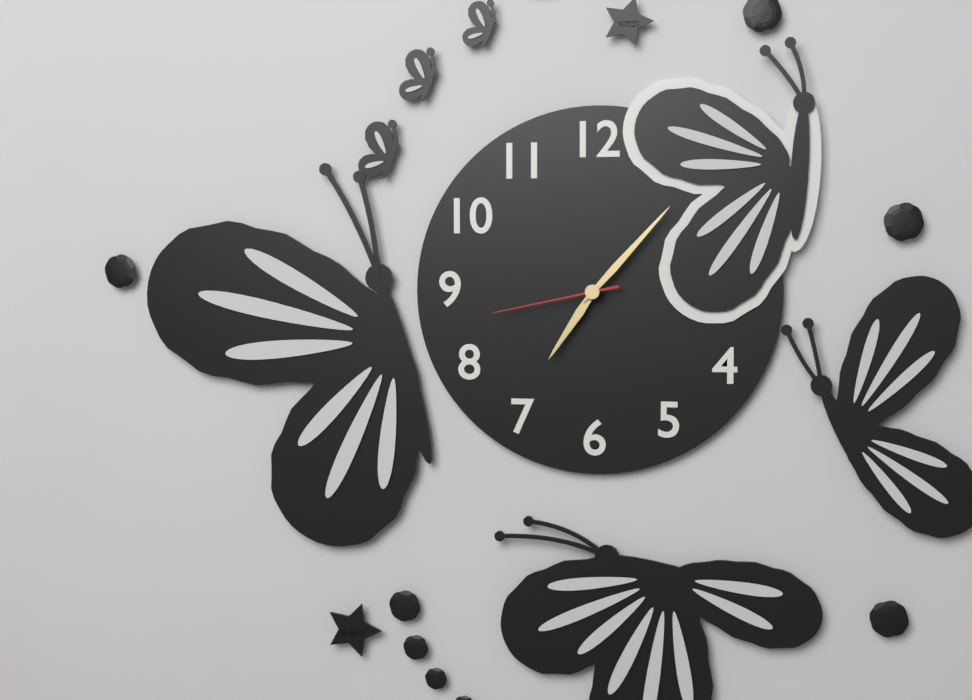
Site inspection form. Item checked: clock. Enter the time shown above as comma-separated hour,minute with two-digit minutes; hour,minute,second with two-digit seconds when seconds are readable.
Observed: 7,07,43
